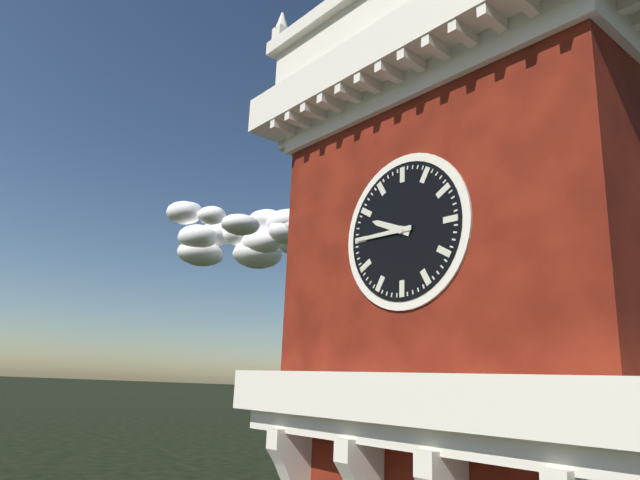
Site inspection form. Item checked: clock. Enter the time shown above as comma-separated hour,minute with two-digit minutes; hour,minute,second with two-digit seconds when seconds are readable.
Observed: 9,45
